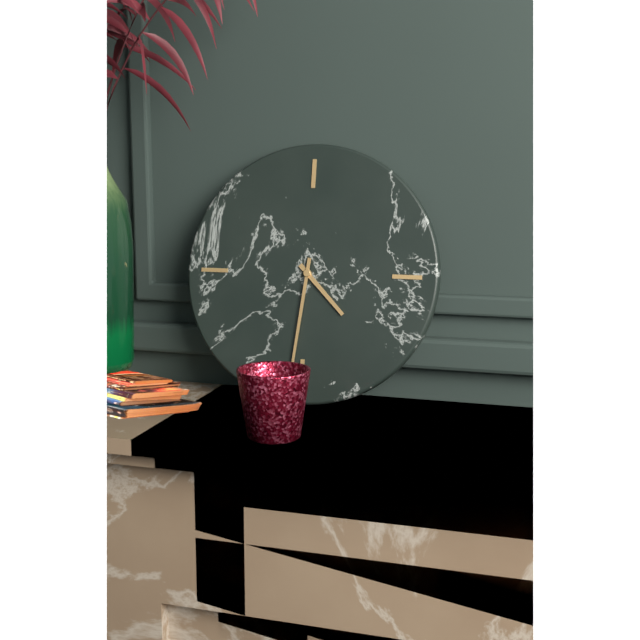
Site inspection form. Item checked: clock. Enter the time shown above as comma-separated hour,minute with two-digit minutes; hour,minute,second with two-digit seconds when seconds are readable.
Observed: 4,31
